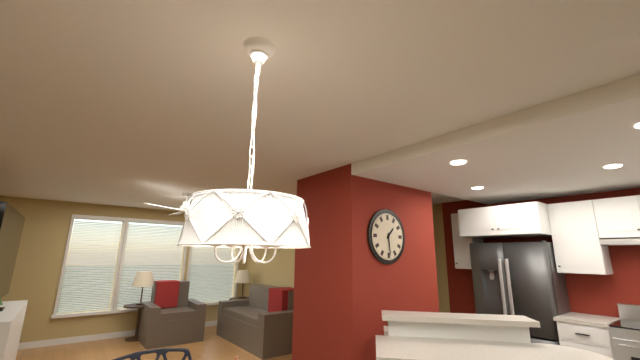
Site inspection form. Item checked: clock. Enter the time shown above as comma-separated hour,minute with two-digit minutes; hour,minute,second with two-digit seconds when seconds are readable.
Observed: 1,29
